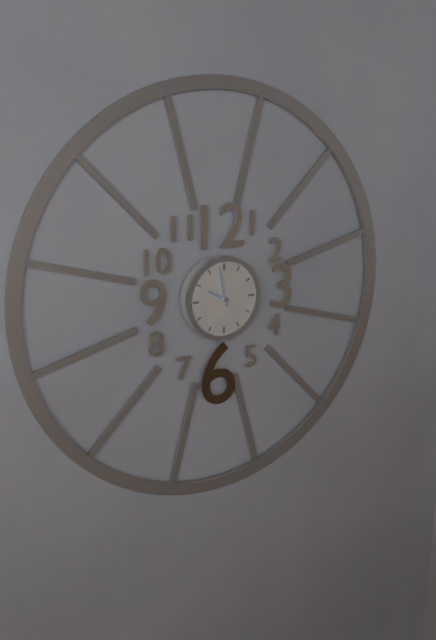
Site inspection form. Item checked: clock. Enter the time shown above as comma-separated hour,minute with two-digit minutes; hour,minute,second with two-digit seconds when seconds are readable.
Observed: 9,58
